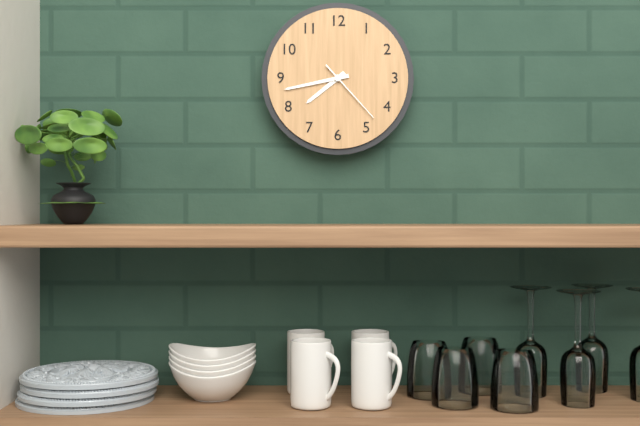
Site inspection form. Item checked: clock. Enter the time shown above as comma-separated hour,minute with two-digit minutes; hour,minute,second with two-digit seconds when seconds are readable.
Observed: 7,43,23
